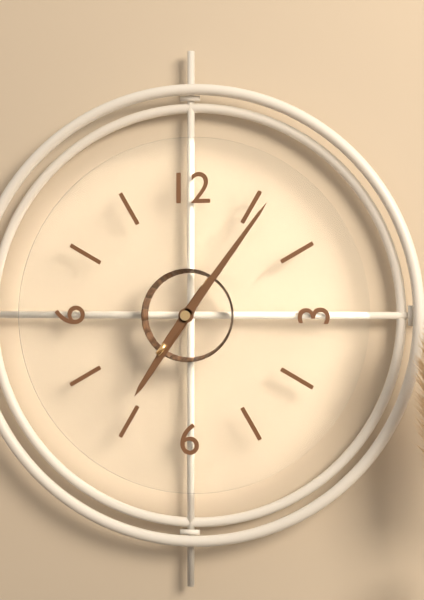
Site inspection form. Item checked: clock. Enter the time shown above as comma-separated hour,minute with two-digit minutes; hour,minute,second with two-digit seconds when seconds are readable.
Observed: 7,06
